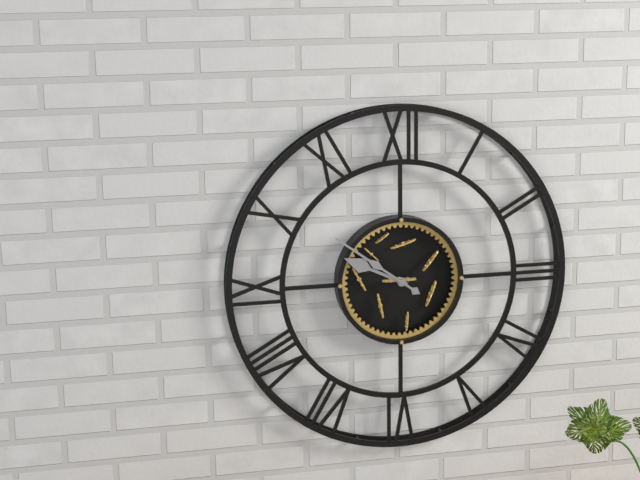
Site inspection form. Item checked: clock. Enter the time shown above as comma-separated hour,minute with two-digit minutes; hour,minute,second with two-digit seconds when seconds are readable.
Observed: 9,51
